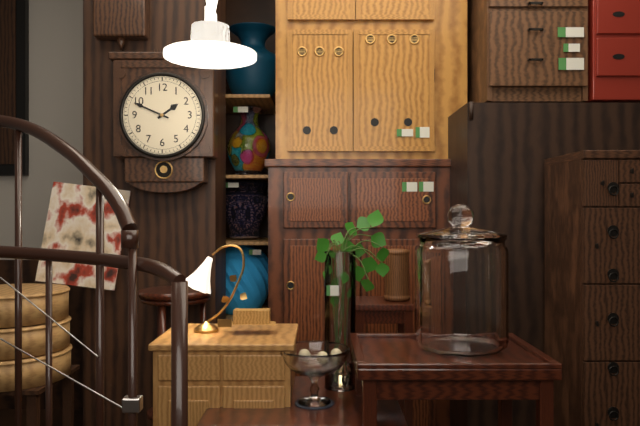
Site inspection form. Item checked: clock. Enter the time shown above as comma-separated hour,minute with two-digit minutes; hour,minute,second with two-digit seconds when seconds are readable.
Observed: 1,49
